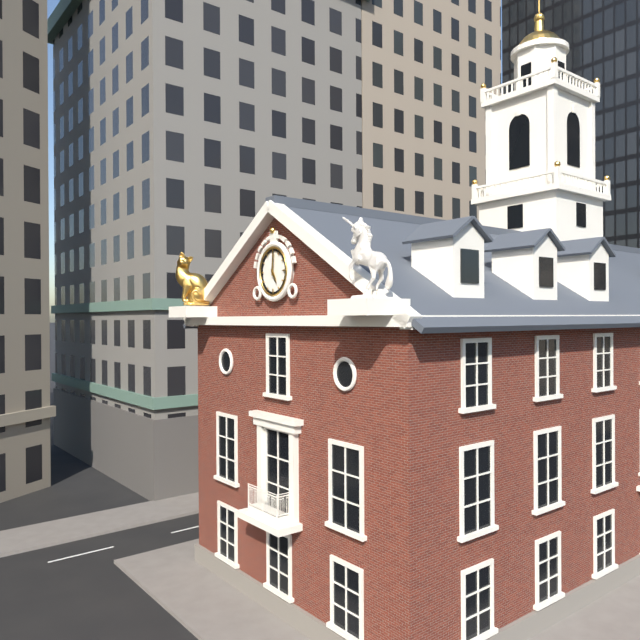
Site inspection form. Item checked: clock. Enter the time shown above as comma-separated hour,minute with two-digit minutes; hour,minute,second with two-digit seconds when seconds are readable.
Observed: 5,01
